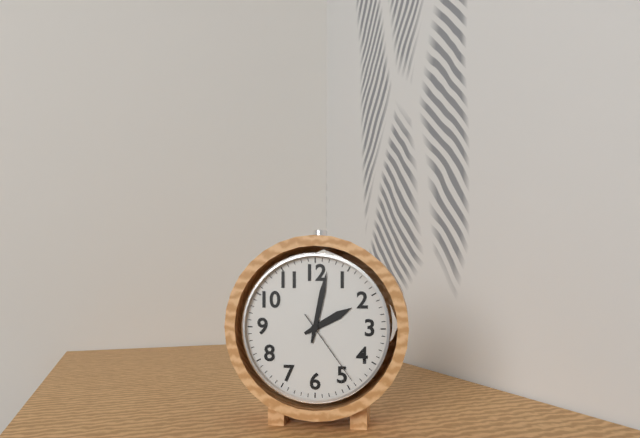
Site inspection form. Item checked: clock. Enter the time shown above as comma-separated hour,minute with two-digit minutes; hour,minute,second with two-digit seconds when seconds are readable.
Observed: 2,02,24
